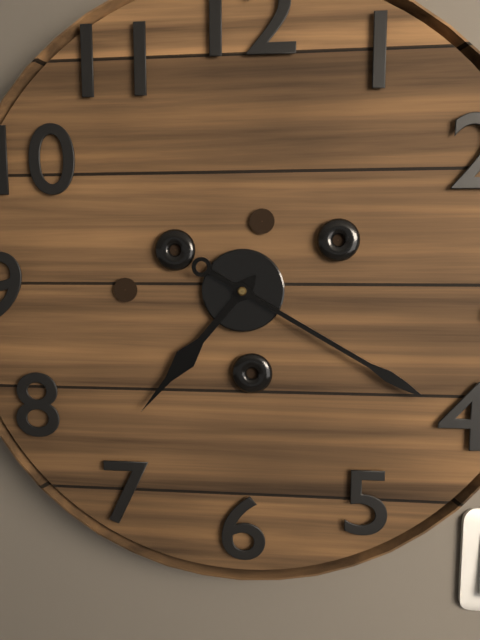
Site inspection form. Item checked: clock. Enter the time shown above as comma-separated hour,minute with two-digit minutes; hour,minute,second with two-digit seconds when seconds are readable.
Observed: 7,20
